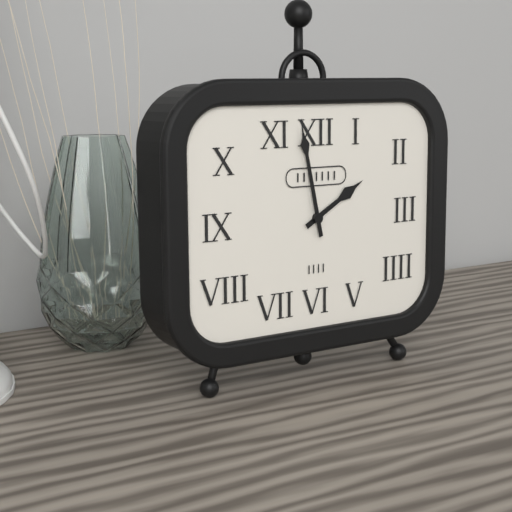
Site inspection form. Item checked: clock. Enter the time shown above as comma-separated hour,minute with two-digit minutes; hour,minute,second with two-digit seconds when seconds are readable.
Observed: 1,58
